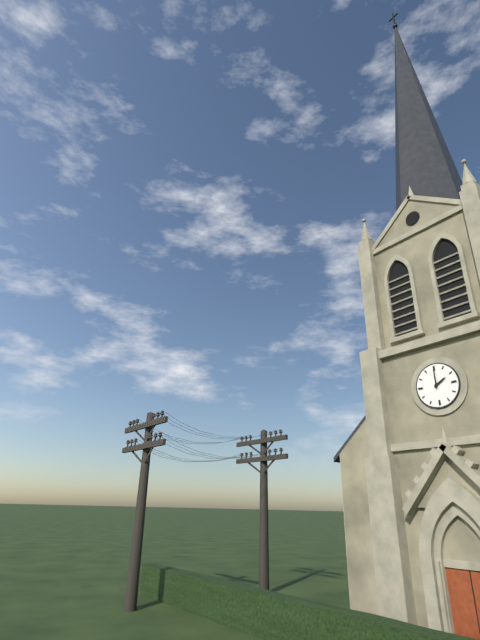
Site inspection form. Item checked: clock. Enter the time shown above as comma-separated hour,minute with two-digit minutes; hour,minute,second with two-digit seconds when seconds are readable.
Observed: 2,00
